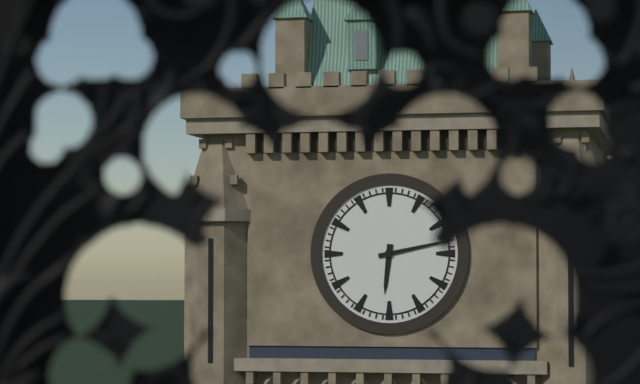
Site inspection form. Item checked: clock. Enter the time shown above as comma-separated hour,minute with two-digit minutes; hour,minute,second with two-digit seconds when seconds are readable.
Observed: 6,13
